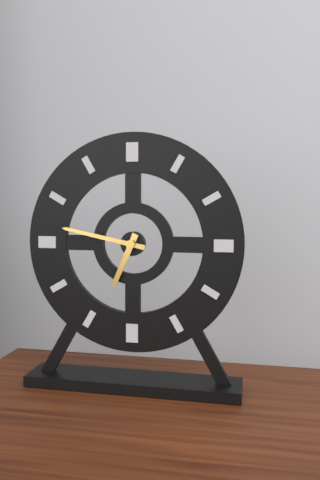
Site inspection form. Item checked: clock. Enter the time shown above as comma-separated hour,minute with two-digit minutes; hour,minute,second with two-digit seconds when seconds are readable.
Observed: 6,47
